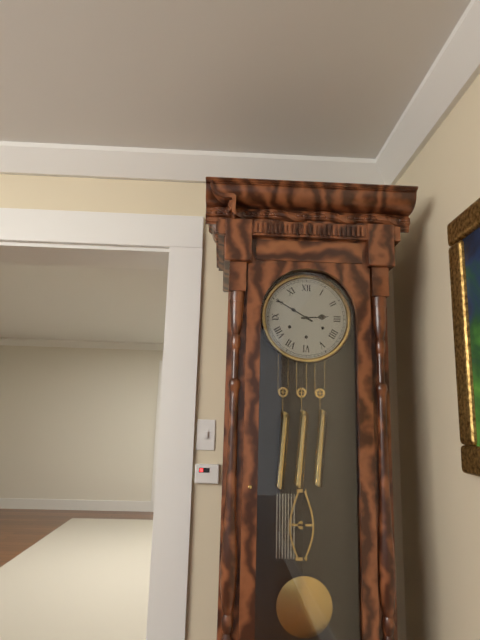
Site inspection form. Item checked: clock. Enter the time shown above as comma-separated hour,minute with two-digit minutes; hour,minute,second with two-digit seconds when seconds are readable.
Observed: 2,50
